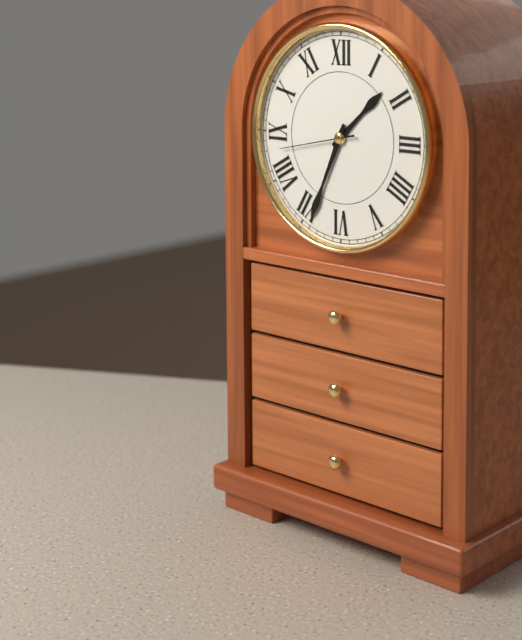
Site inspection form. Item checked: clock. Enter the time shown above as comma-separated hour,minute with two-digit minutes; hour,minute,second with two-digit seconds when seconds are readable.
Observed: 1,34,43
